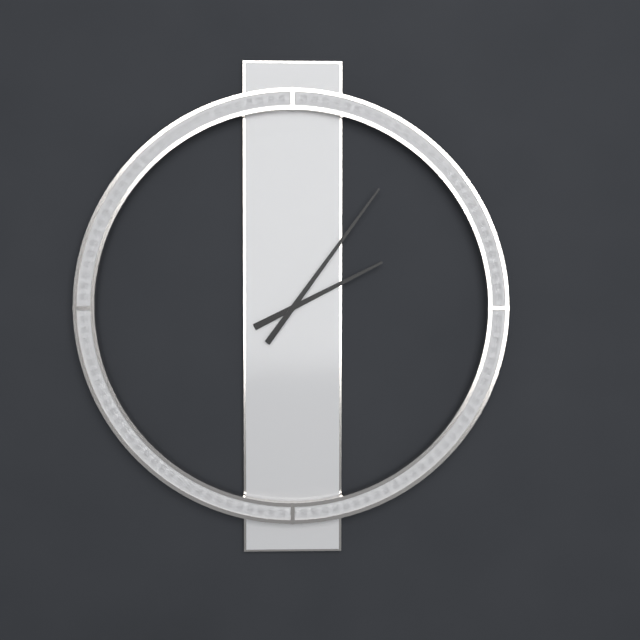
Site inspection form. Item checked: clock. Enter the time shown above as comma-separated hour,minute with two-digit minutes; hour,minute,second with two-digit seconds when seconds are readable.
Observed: 2,06
